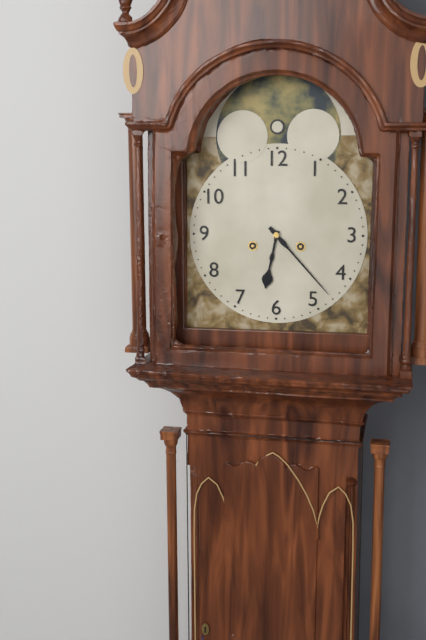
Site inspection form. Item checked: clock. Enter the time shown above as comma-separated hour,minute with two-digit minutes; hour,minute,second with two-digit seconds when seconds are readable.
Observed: 6,23
